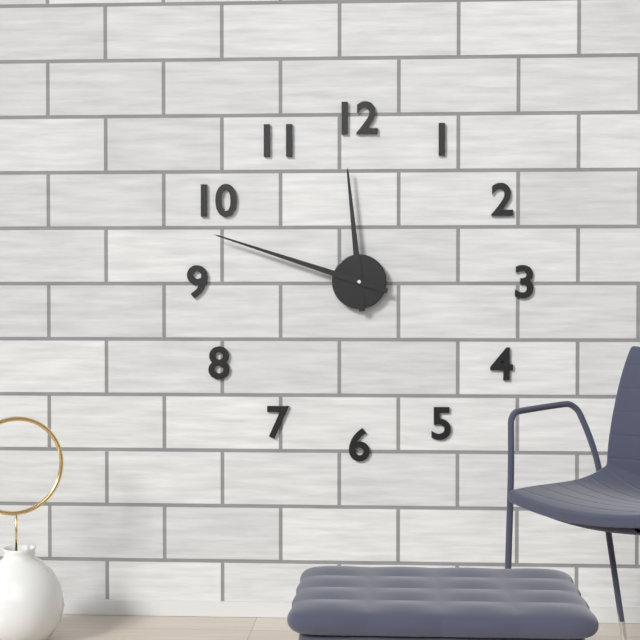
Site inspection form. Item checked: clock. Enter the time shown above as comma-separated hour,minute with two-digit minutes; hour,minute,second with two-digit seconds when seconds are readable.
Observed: 11,48
